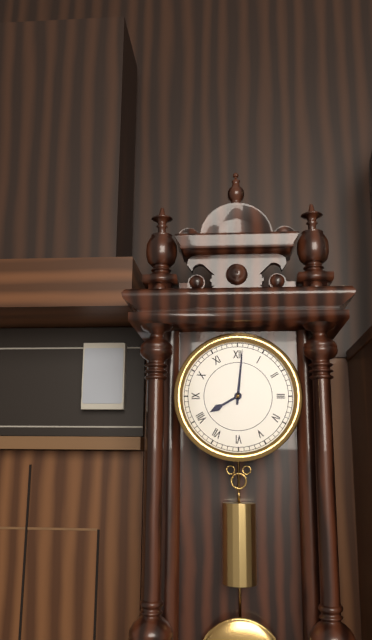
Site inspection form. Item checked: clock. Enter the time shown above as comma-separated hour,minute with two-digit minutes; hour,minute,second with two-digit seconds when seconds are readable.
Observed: 8,01
